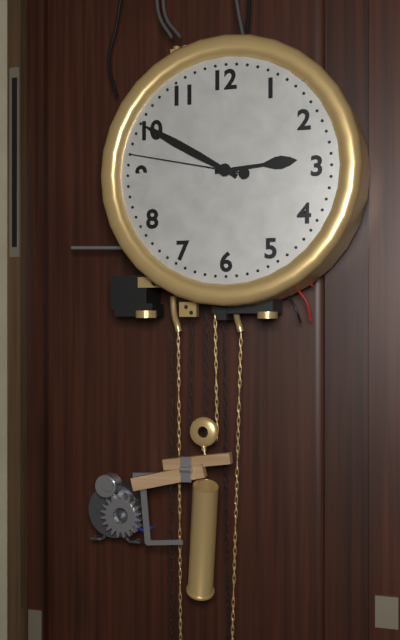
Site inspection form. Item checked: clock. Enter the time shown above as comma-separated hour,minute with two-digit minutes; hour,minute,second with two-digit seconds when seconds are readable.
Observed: 2,50,47
